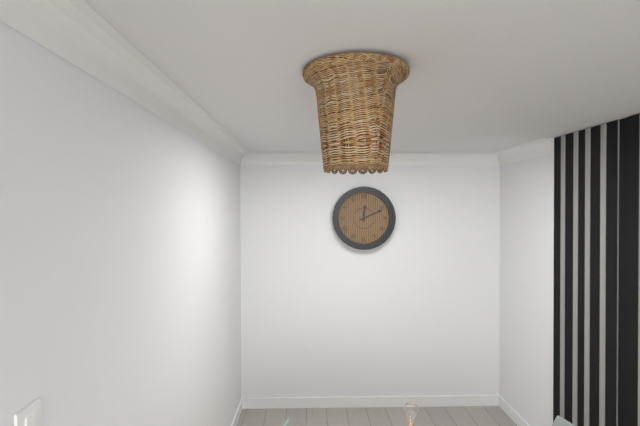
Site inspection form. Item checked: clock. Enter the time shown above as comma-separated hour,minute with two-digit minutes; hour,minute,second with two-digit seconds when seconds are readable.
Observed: 12,11
